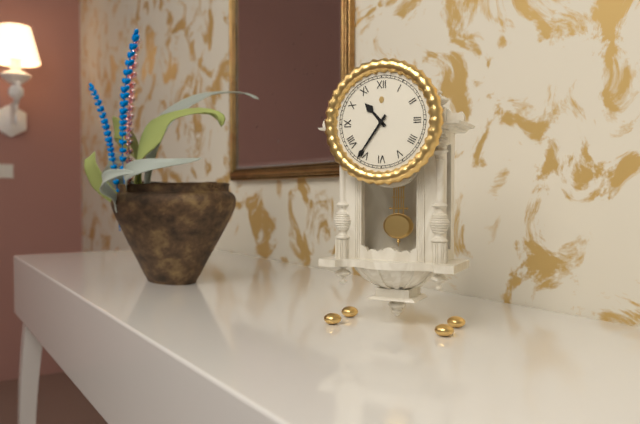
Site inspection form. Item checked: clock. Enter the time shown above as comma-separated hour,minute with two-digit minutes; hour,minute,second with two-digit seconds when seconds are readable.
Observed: 10,36
